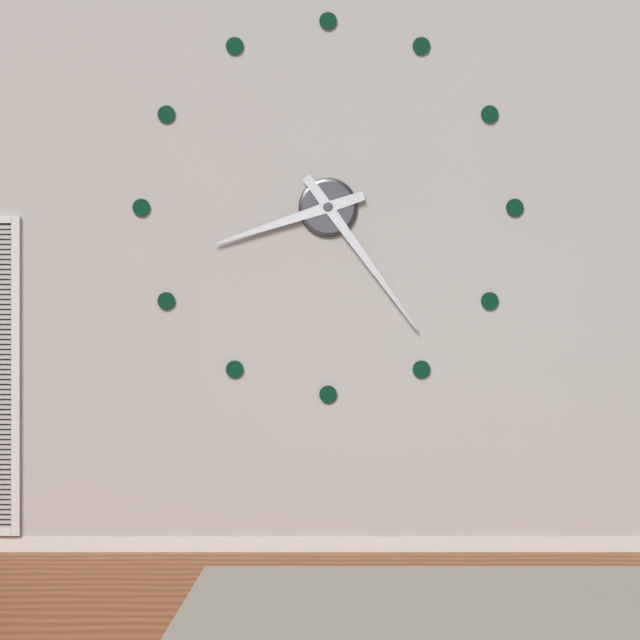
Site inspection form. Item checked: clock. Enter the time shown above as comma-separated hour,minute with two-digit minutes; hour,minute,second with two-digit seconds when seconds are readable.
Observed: 8,24
